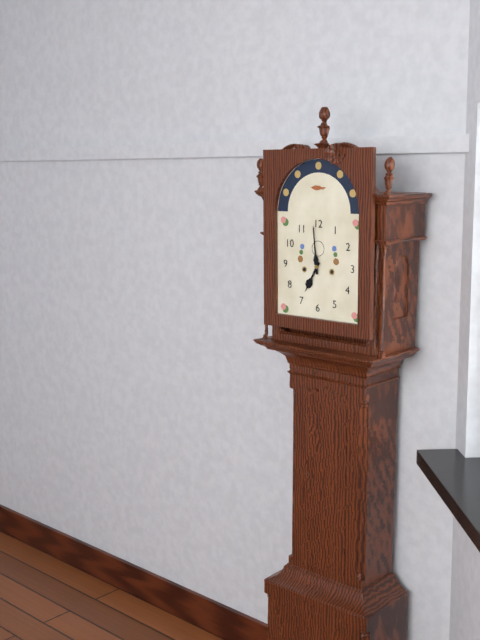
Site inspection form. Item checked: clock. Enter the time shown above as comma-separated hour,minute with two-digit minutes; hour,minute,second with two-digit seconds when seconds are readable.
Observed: 6,59
